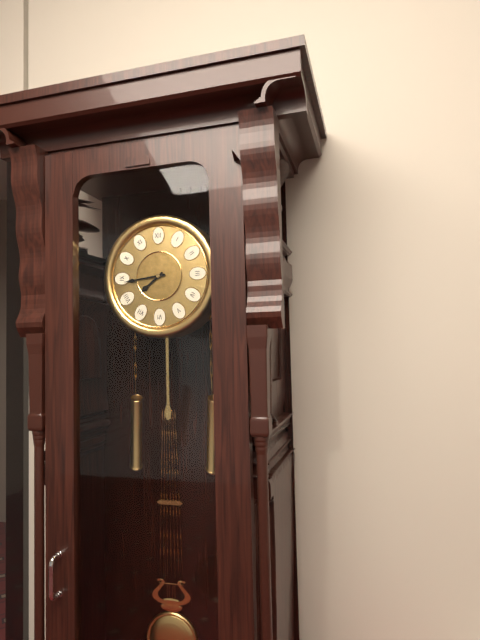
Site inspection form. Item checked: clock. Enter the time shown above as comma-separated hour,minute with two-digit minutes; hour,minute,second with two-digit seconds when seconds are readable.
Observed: 7,44
